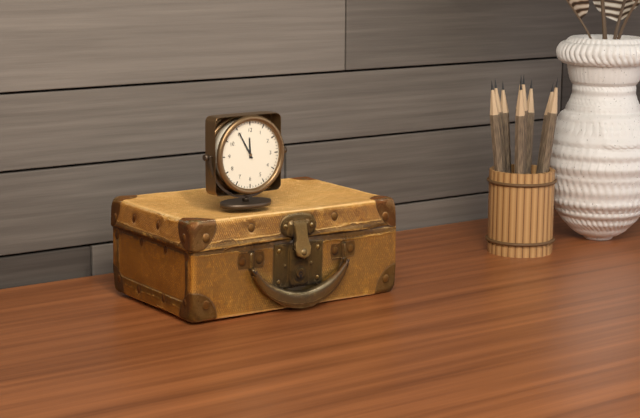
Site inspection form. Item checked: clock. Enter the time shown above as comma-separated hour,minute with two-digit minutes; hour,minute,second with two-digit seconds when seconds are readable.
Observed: 11,55
